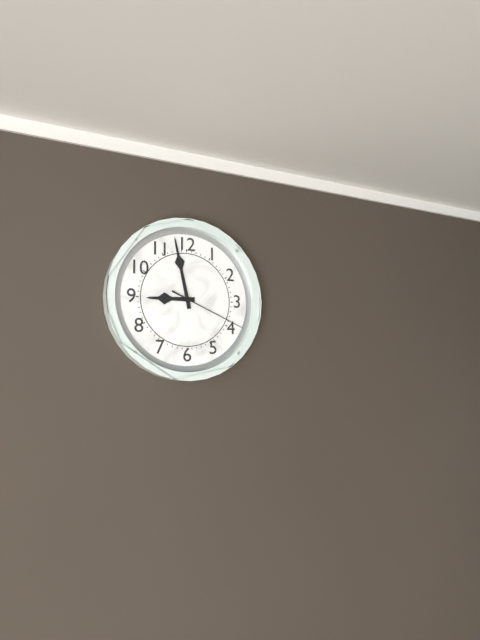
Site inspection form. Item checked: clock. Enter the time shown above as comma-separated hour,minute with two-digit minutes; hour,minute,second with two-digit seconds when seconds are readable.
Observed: 8,58,19
